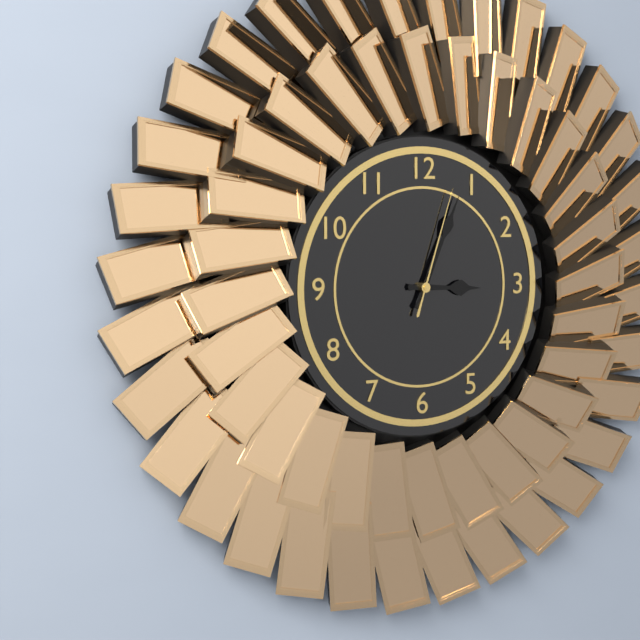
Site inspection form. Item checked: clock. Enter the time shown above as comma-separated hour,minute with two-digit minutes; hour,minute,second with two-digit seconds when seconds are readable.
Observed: 3,04,03
